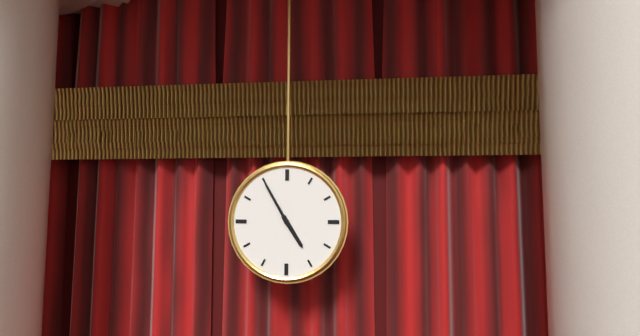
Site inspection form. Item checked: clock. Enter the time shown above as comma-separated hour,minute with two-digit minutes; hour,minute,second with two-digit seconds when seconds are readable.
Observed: 4,55
